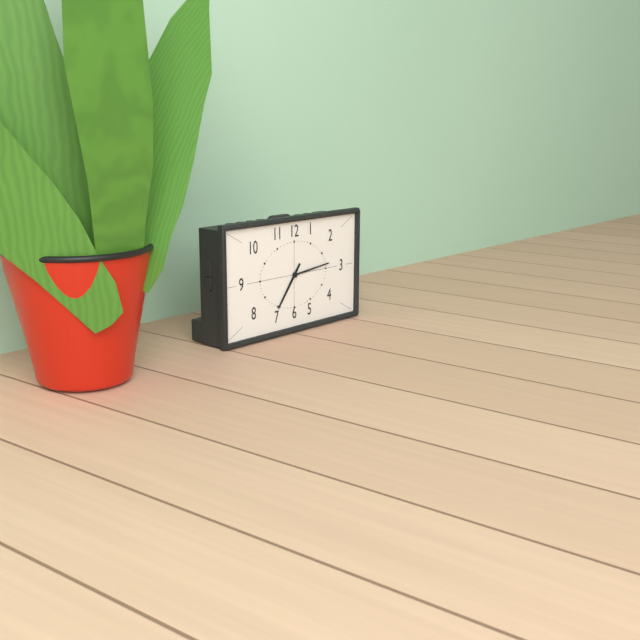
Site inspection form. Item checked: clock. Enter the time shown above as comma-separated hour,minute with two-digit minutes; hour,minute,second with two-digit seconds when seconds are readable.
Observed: 7,14
